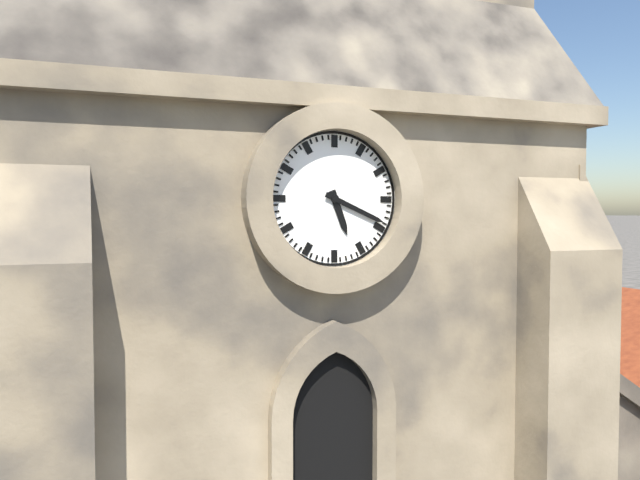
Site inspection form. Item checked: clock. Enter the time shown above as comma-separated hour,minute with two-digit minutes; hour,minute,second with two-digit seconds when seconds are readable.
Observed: 5,19
